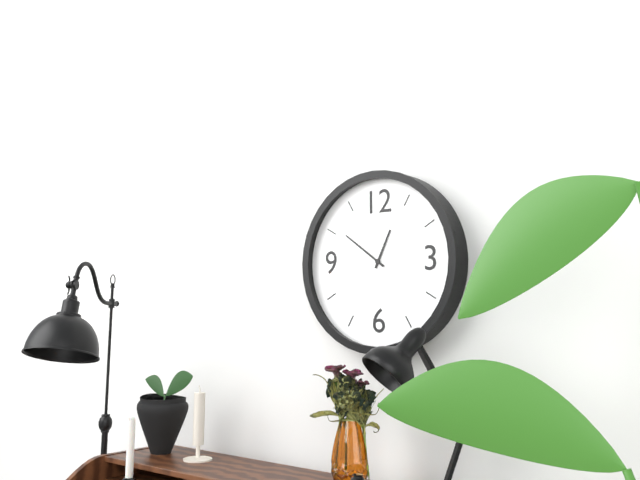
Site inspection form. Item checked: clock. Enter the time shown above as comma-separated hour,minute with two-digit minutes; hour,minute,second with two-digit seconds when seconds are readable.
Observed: 12,51
